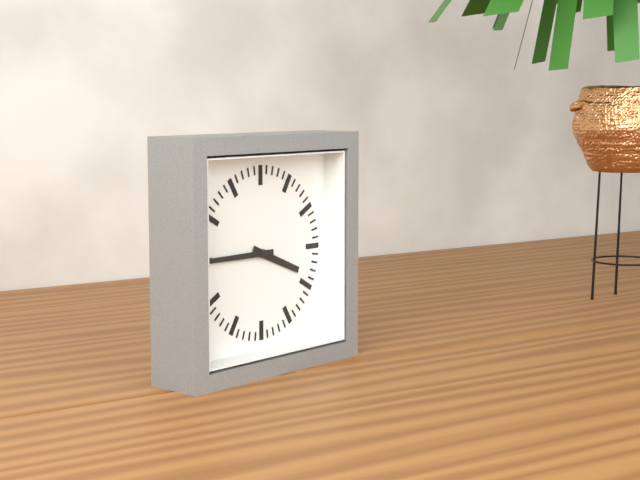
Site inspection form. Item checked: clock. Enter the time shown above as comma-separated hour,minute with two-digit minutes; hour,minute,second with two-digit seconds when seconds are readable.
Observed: 3,45
